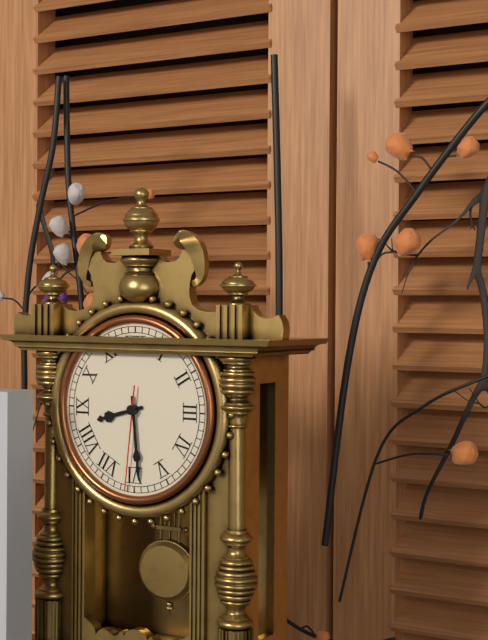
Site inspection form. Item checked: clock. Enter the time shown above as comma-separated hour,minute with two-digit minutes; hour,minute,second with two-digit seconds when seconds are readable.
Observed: 8,29,31
